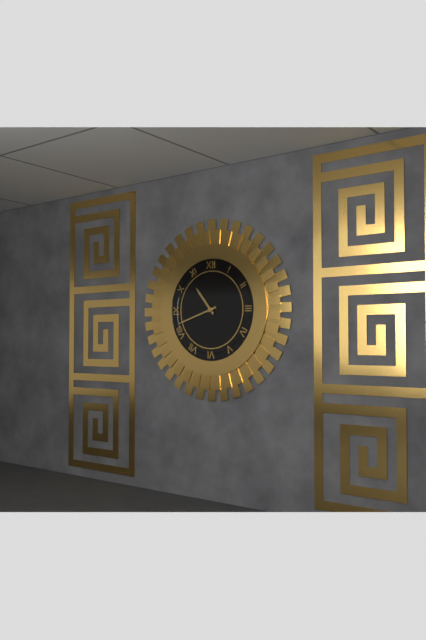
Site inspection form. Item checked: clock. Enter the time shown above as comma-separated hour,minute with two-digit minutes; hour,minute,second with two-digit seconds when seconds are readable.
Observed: 10,42
